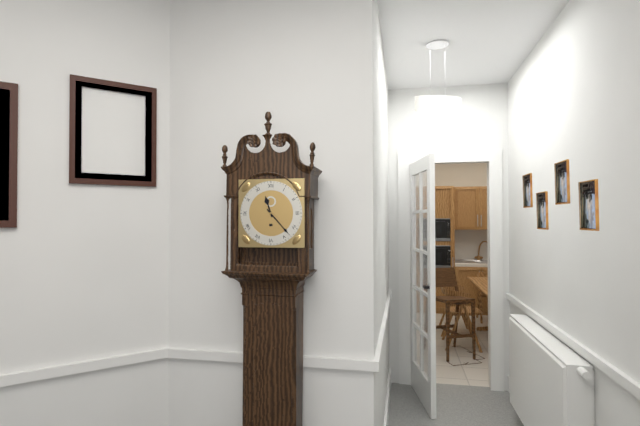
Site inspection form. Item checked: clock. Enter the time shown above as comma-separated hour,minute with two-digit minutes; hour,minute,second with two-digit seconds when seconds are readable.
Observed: 11,23
